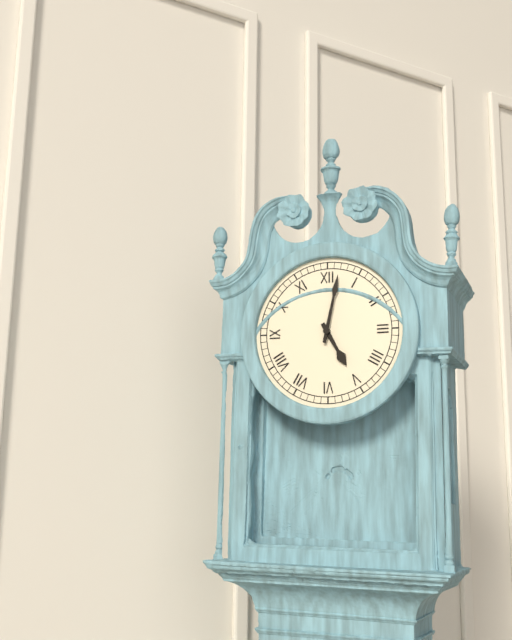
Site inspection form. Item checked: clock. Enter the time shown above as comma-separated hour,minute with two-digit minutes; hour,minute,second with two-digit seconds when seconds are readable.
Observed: 5,02
